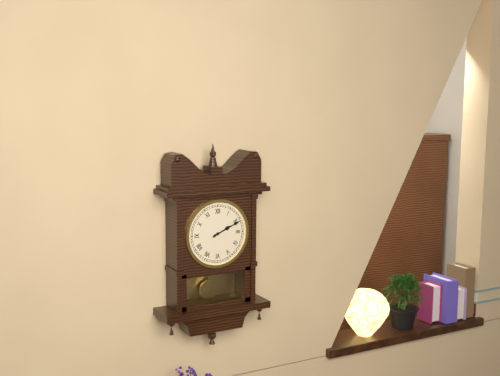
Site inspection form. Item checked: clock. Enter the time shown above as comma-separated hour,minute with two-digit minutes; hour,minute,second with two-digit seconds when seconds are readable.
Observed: 2,11
